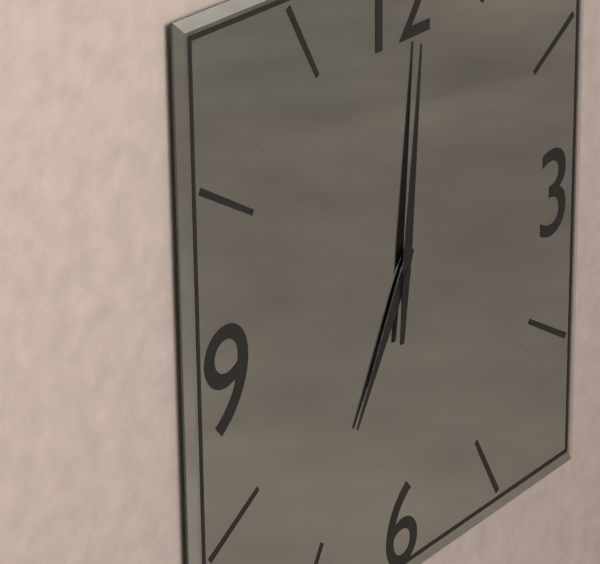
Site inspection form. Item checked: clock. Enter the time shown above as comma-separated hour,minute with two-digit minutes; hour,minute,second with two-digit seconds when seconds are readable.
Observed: 7,01
